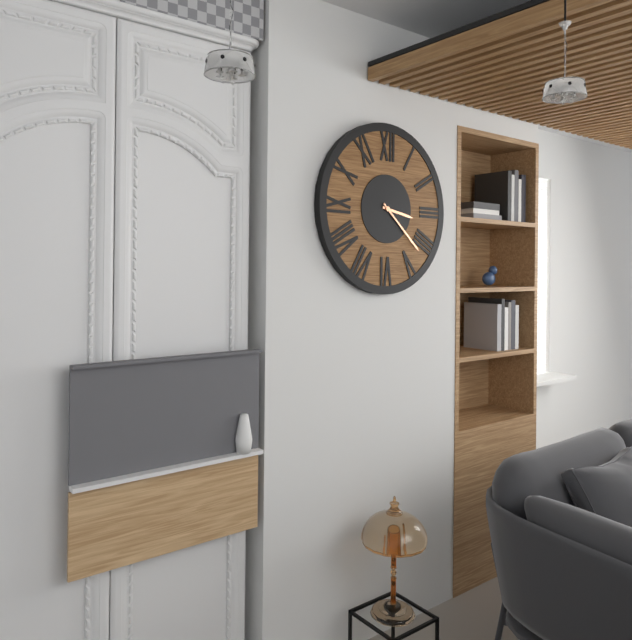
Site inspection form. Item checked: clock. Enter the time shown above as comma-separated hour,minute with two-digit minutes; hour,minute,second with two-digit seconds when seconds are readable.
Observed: 3,22
